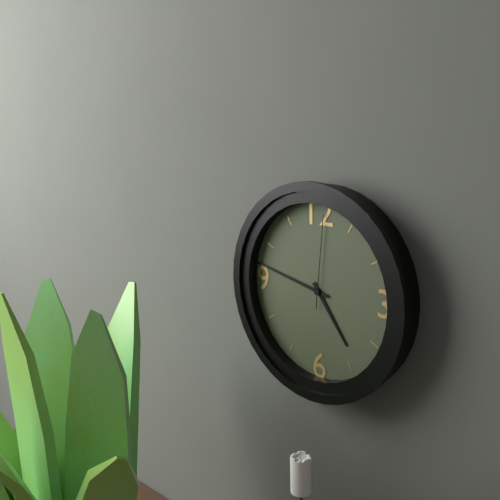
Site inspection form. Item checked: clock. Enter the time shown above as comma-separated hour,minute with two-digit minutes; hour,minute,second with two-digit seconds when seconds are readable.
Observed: 4,47,01
